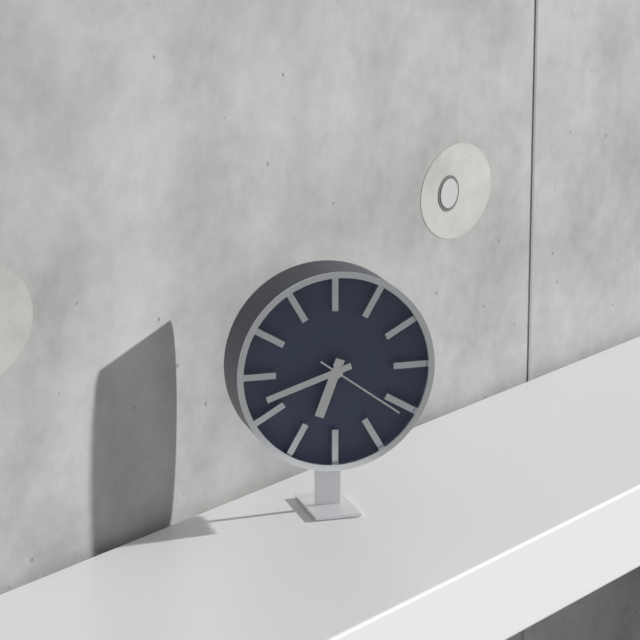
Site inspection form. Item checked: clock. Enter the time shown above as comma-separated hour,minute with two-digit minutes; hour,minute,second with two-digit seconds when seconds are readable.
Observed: 6,42,21
